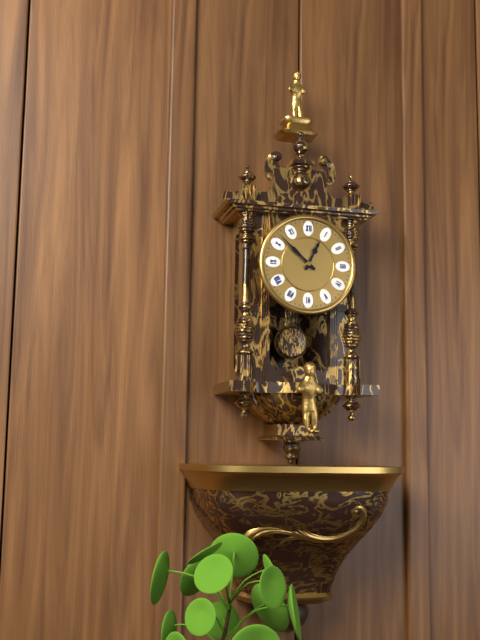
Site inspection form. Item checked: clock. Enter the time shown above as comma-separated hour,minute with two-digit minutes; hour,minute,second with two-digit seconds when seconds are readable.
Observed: 12,52
